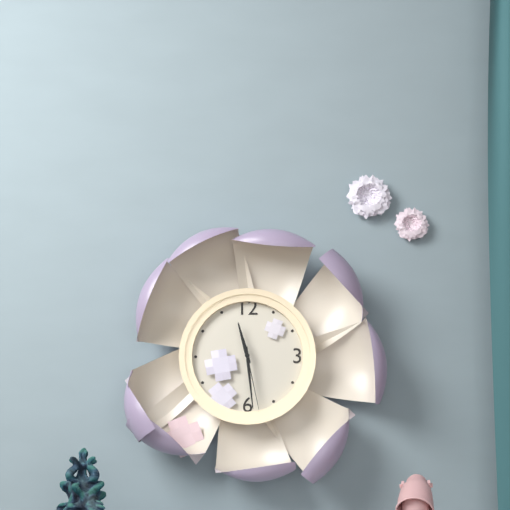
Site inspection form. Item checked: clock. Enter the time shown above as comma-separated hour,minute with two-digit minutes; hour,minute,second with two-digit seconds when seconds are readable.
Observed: 11,29,28
